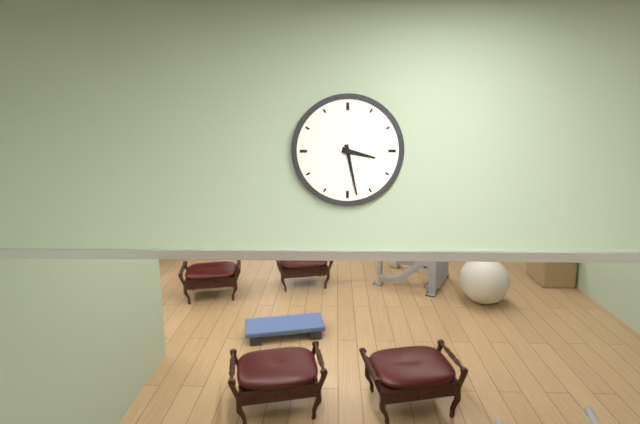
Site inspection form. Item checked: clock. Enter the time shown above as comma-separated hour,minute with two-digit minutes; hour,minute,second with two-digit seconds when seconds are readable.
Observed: 3,28
